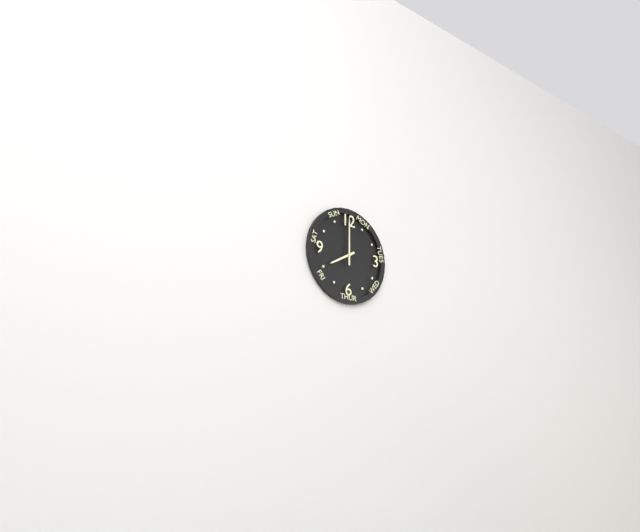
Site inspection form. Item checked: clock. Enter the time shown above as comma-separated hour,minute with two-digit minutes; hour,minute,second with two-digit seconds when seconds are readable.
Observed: 8,00
